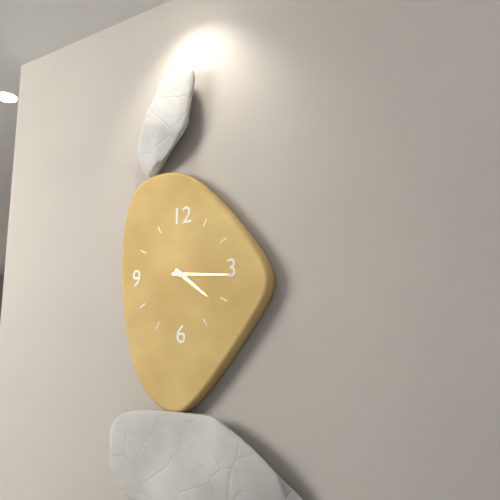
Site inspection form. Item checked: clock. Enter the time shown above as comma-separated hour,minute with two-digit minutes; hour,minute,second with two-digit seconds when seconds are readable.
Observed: 4,16
